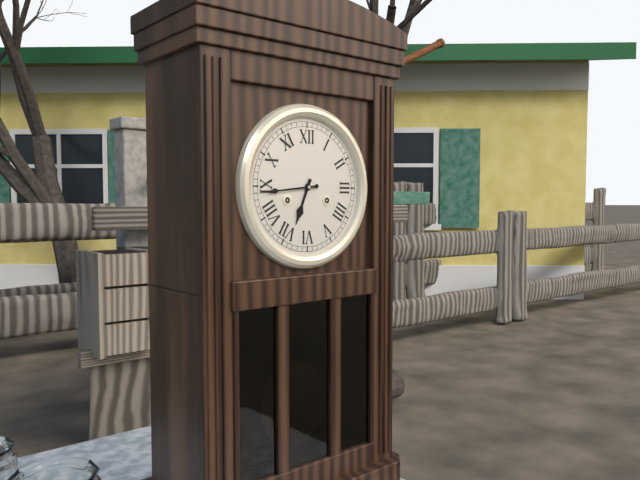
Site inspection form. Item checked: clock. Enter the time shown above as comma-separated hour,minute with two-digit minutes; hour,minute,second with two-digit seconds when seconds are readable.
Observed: 6,44
